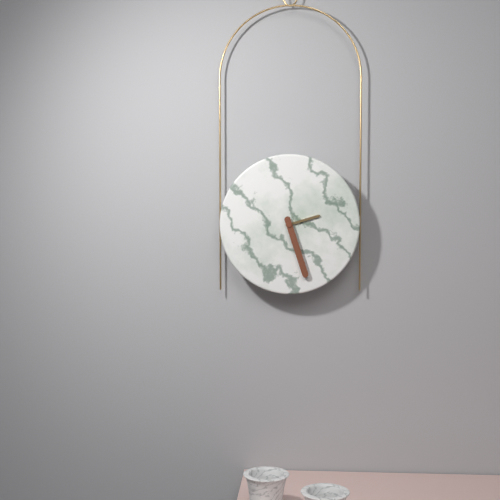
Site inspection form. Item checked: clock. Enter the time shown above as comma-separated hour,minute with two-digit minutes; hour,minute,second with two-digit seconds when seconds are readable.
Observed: 2,27
